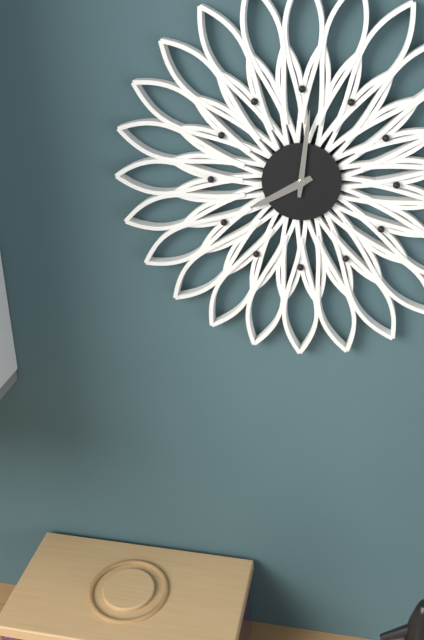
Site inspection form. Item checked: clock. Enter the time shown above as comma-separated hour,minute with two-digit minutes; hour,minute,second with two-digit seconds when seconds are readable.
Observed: 8,01
